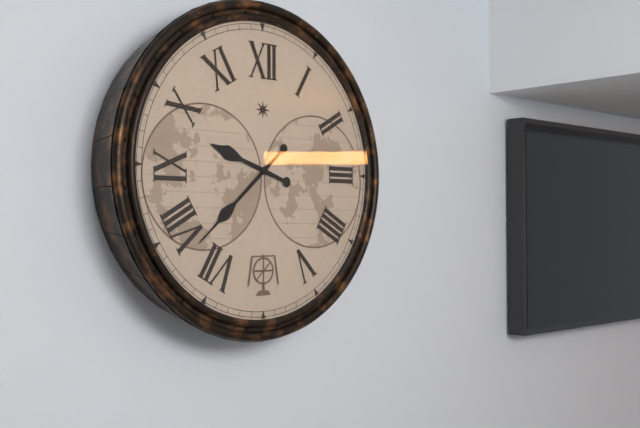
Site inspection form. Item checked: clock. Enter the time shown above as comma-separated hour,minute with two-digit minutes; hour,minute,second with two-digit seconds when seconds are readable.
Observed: 9,38
